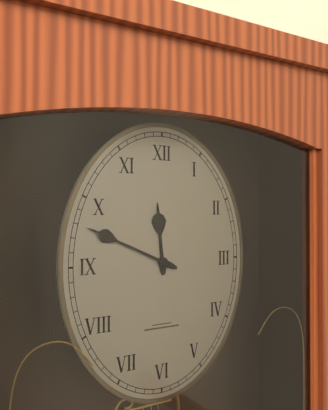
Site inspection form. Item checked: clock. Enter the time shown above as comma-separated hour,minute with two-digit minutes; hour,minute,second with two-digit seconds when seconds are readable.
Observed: 11,49
